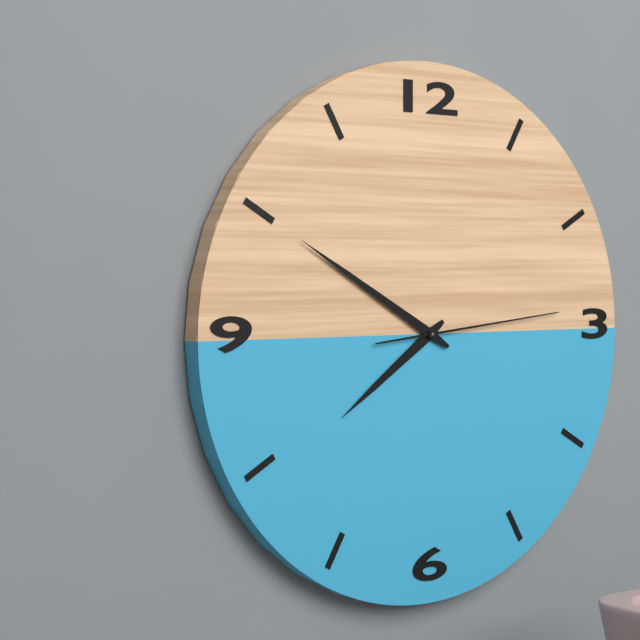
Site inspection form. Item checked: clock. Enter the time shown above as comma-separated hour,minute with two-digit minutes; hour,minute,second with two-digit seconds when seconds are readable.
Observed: 7,50,14
